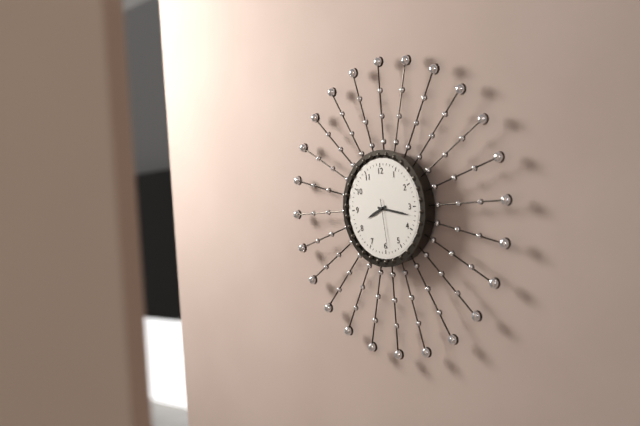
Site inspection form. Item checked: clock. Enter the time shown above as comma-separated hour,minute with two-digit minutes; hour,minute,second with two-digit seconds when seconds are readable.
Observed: 8,17,29
